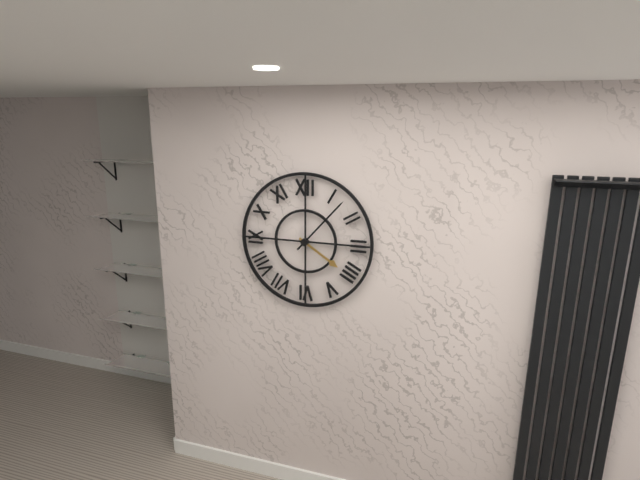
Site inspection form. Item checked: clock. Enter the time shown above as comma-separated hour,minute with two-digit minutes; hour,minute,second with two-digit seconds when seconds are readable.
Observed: 4,07
